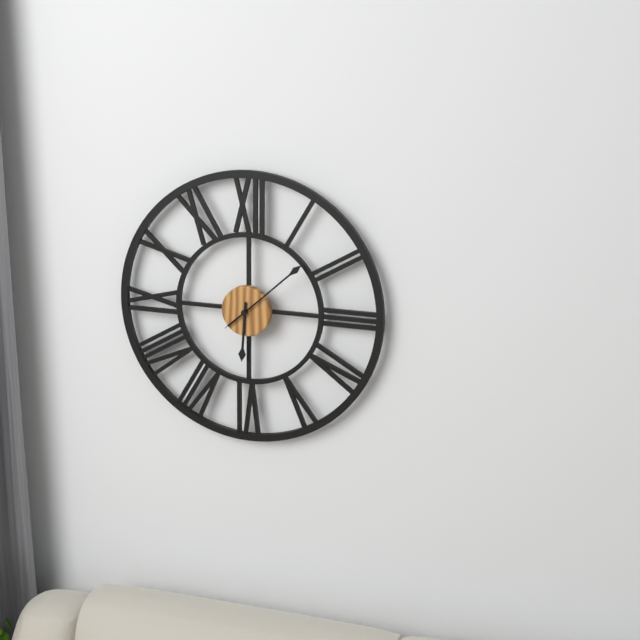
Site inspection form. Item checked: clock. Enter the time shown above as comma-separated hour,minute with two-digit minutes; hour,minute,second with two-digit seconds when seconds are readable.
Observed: 6,08
